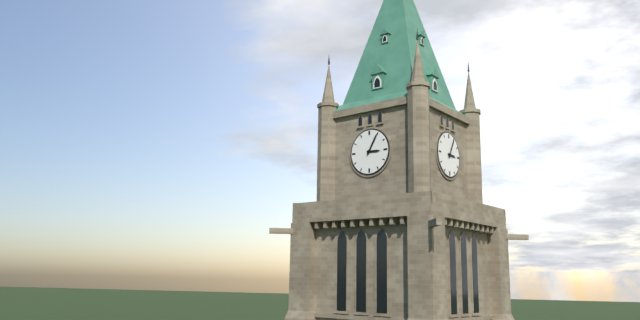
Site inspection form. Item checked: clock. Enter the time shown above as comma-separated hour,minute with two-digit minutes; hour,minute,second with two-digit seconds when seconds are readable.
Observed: 3,05
